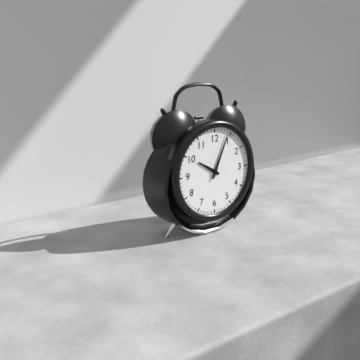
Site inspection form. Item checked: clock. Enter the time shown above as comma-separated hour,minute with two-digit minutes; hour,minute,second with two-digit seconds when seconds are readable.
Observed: 10,04
